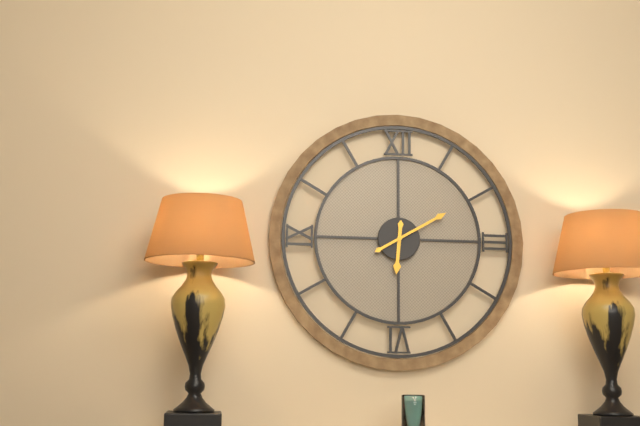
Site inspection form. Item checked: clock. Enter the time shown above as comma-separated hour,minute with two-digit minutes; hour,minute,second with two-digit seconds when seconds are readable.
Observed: 6,10
